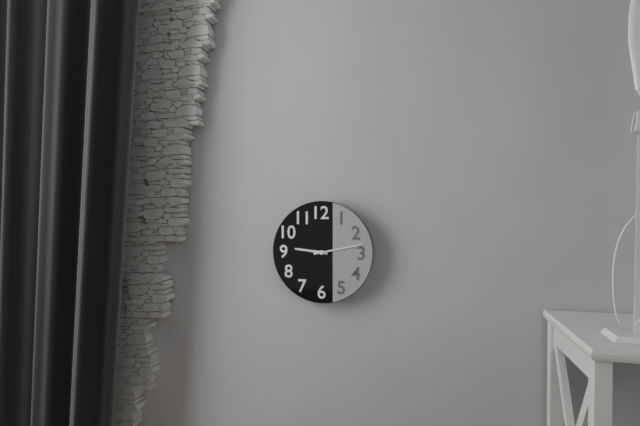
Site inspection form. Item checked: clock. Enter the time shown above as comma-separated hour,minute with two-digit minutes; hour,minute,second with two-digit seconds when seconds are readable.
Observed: 9,13
